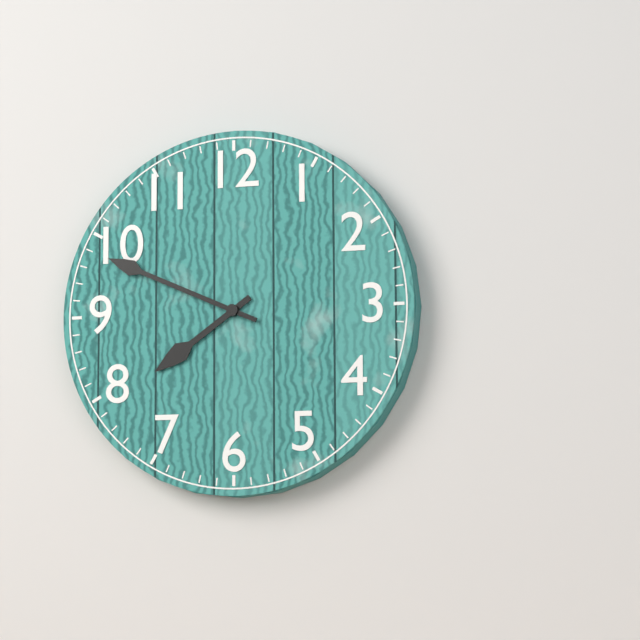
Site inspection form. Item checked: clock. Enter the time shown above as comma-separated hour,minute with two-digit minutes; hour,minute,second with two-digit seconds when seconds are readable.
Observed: 7,49
